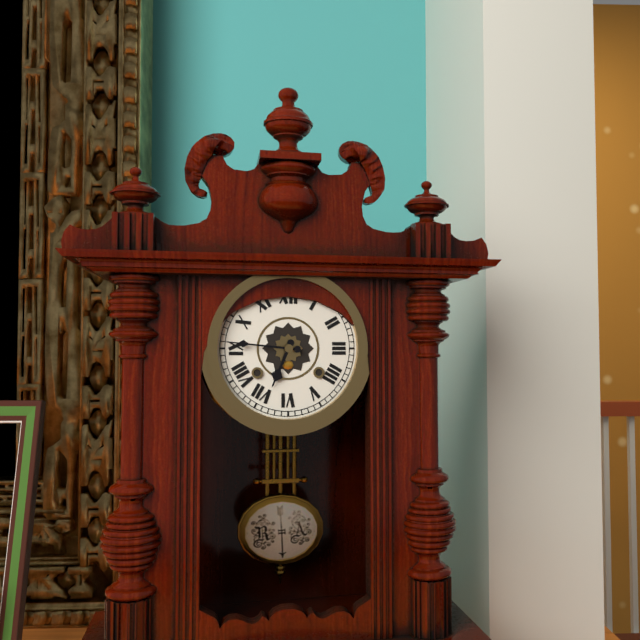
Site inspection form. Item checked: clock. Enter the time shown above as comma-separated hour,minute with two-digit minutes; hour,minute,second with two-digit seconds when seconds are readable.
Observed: 6,46
